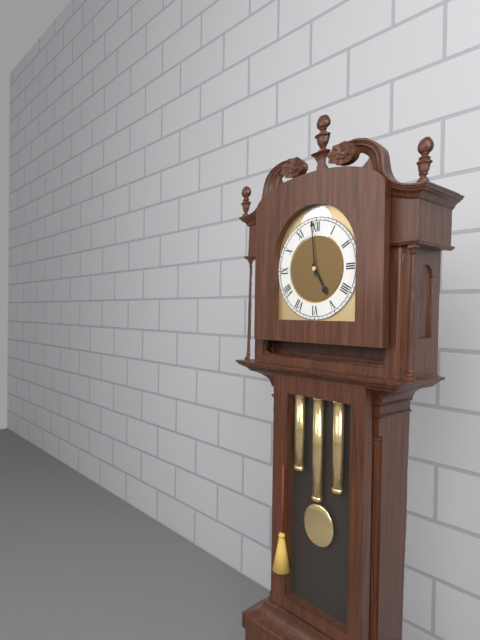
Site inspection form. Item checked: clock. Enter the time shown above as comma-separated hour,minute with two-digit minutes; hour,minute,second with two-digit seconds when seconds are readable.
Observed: 4,59
